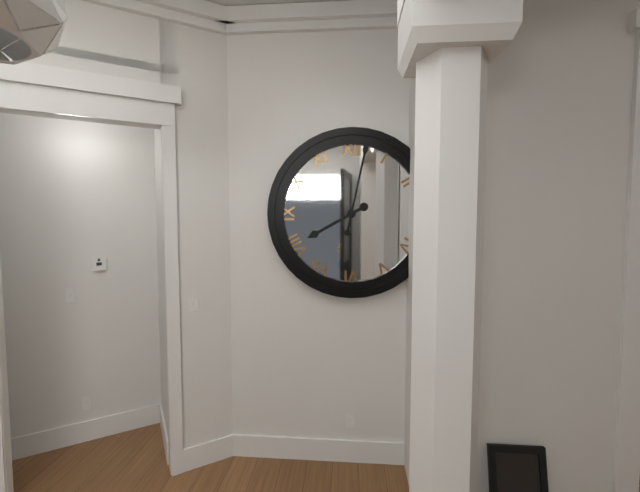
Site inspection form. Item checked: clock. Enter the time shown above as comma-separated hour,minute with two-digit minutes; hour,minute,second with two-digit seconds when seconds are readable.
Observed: 8,02
